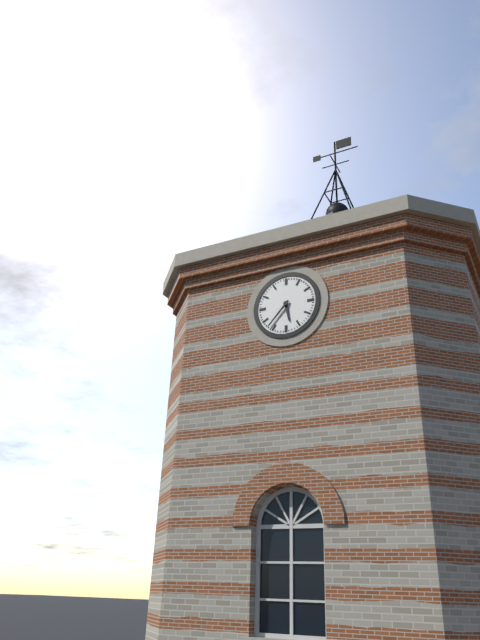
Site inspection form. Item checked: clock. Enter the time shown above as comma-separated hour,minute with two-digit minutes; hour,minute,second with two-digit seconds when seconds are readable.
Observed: 5,37
